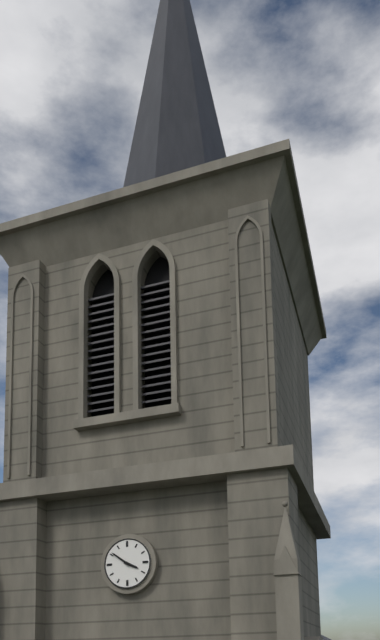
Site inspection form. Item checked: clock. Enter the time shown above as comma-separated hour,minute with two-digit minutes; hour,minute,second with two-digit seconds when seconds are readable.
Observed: 3,51
